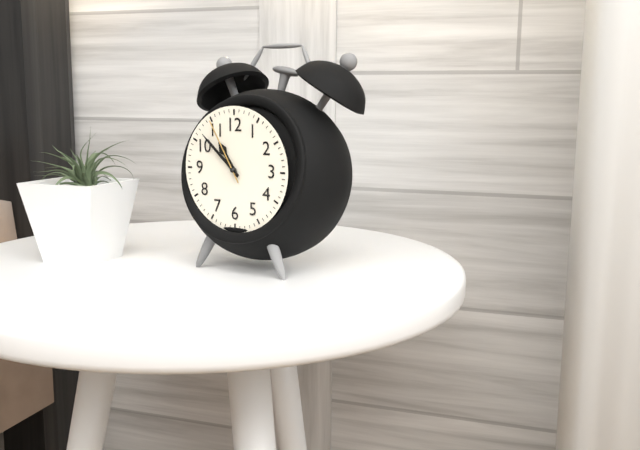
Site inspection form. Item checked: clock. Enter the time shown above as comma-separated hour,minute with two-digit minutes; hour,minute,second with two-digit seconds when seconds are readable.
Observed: 10,52,55
